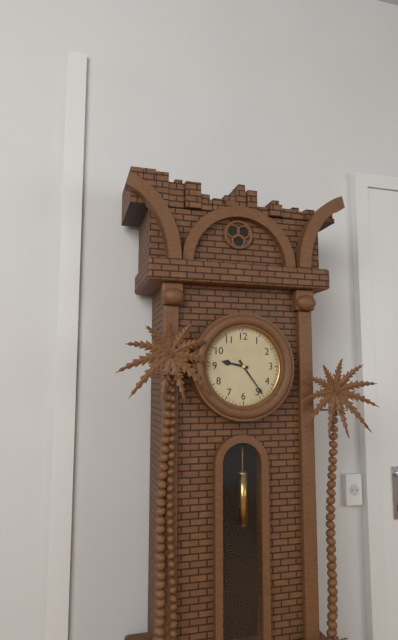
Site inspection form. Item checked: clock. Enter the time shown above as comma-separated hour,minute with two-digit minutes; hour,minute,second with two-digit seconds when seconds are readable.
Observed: 9,24
